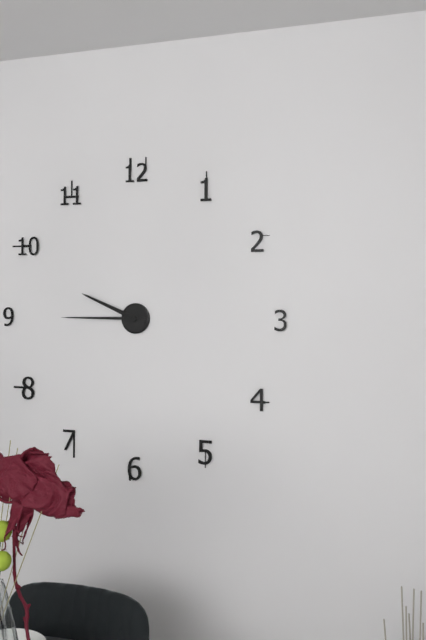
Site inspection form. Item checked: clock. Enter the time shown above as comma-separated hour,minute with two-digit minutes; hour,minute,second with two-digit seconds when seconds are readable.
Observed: 9,45
